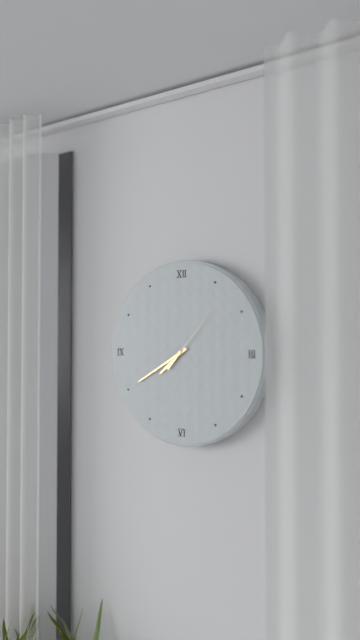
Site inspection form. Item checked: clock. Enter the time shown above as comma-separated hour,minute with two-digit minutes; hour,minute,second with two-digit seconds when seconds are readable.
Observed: 7,40,07
